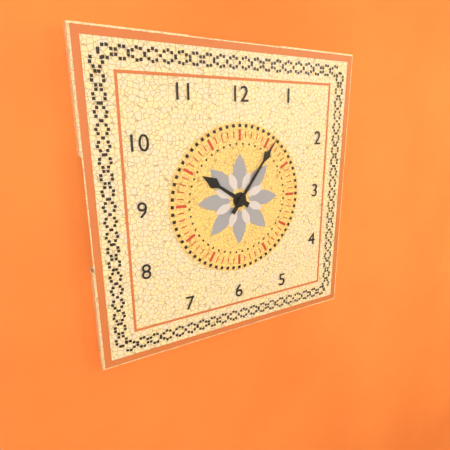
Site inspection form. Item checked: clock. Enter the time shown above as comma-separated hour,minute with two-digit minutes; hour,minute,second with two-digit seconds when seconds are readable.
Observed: 10,06
